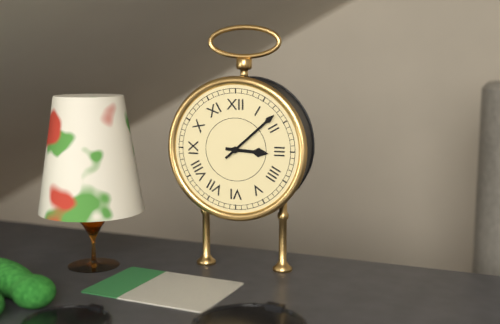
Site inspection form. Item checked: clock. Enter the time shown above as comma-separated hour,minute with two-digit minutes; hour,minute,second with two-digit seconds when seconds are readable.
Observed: 3,08
